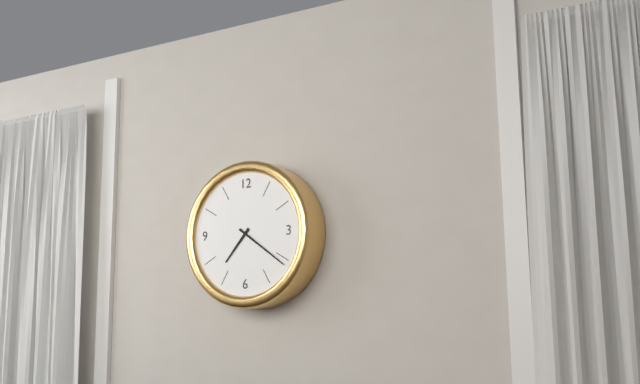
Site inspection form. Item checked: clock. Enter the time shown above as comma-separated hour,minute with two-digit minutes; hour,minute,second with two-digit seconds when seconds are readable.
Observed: 7,21
